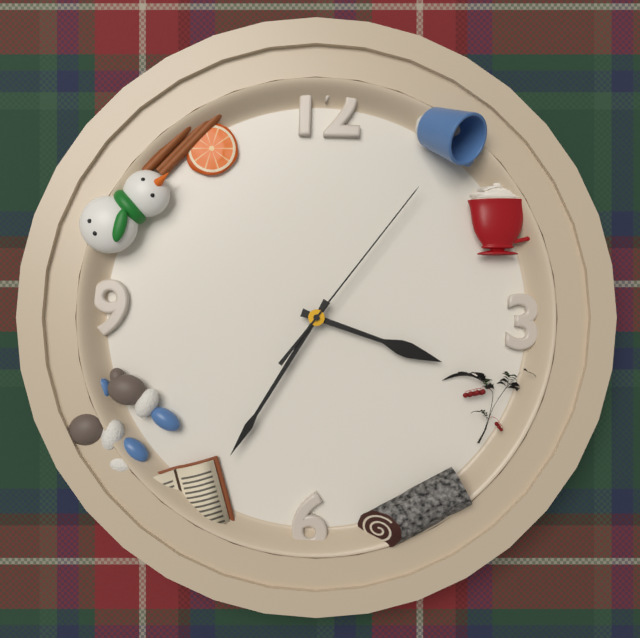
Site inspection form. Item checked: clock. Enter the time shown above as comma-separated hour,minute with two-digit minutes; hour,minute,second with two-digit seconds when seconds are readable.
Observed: 3,35,06
